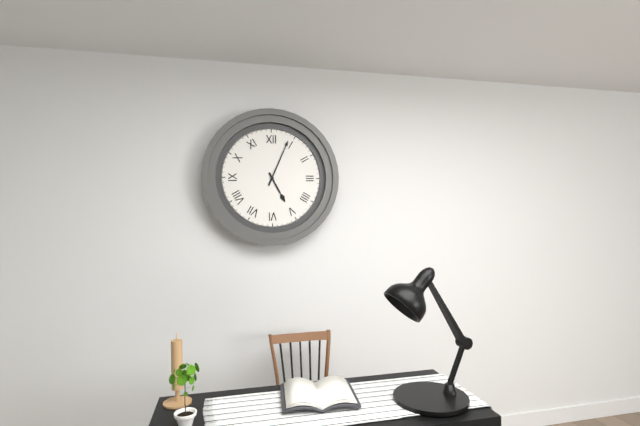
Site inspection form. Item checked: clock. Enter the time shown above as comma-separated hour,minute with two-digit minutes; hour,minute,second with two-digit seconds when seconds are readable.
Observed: 5,04
